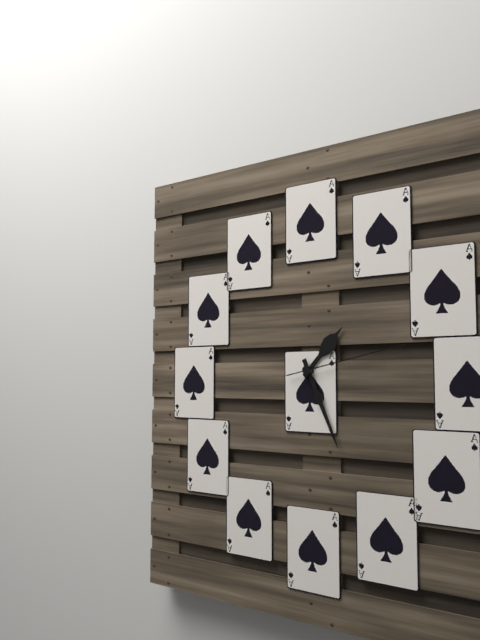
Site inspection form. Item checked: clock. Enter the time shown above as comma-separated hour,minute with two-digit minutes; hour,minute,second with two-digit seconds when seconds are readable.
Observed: 1,26,13
